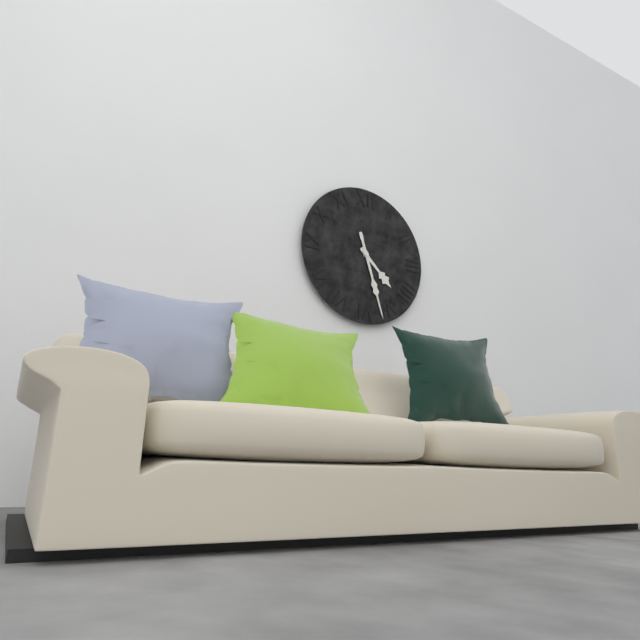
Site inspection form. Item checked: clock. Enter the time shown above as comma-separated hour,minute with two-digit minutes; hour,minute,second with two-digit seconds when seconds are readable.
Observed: 4,27
